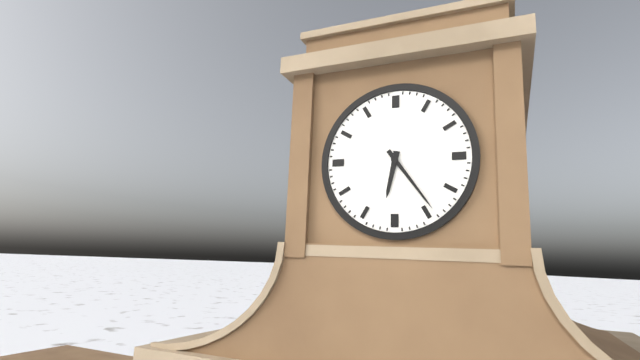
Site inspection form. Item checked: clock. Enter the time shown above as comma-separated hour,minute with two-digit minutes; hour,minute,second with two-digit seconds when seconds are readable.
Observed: 6,24
